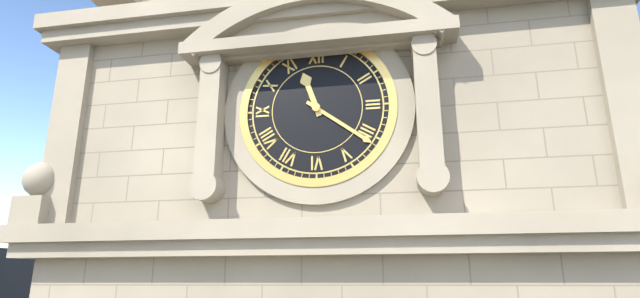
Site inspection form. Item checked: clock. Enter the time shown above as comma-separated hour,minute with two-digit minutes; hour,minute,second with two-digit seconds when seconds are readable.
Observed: 11,21
